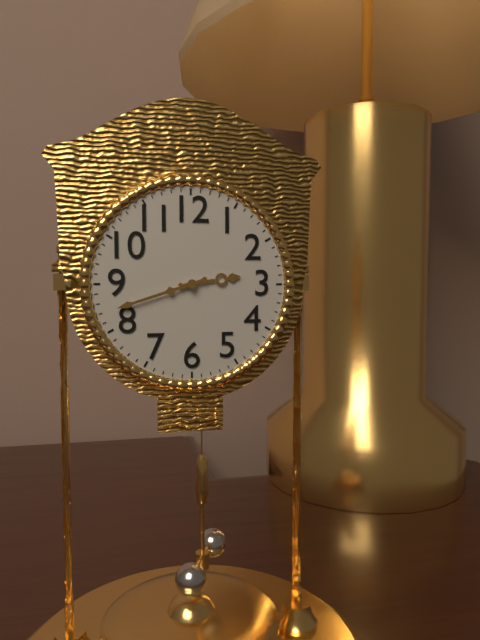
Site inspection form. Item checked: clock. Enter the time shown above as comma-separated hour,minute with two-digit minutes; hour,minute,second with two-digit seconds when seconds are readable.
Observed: 2,42
